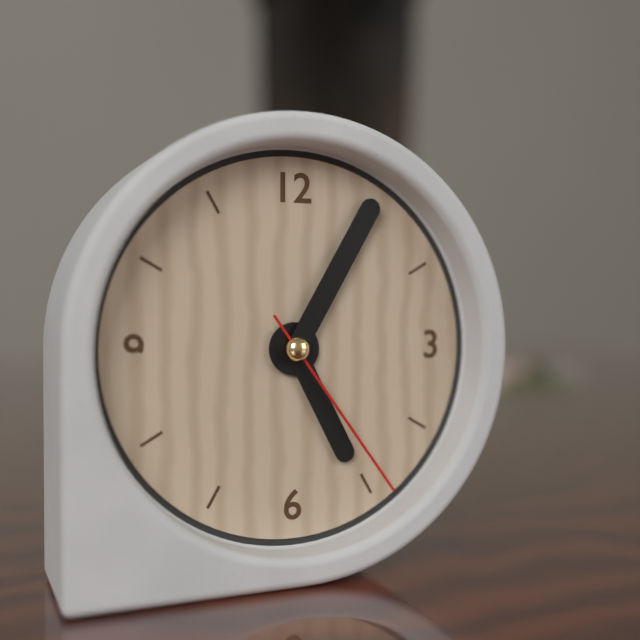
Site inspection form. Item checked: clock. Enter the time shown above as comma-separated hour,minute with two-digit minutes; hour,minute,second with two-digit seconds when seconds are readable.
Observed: 5,05,24
